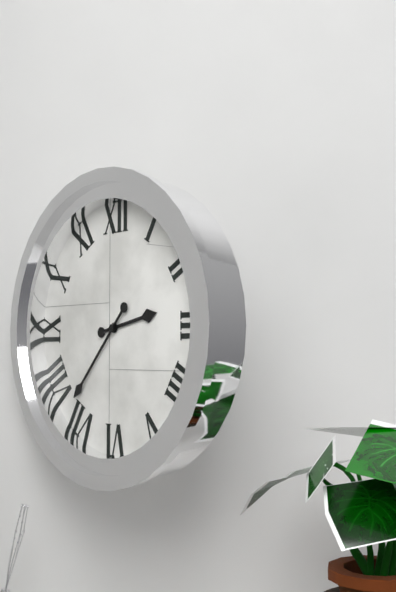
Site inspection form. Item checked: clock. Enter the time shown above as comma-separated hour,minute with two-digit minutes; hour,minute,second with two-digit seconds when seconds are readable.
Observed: 2,37
